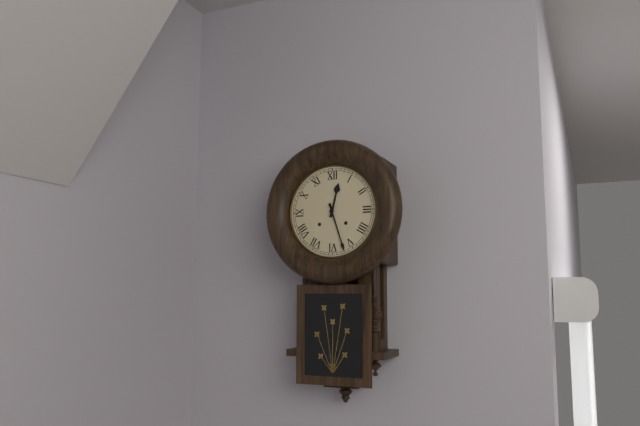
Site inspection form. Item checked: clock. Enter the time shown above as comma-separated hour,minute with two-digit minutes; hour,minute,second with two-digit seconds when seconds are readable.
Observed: 12,27
